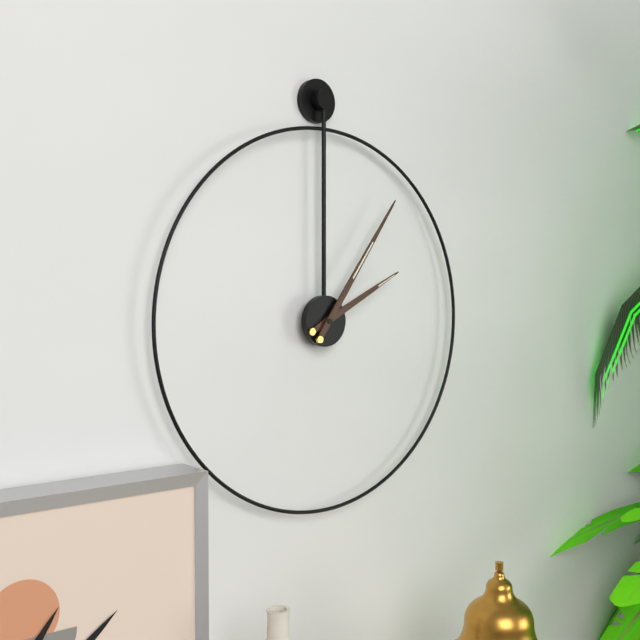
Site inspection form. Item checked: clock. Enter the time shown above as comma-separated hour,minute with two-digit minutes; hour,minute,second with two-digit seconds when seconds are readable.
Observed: 2,06
